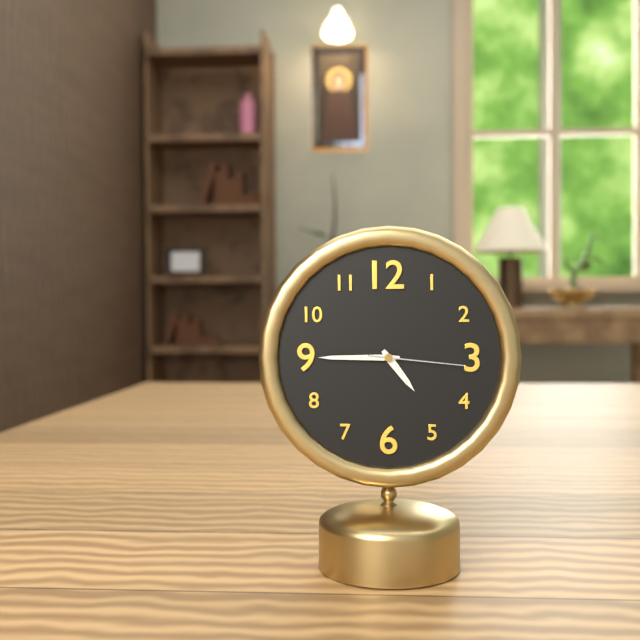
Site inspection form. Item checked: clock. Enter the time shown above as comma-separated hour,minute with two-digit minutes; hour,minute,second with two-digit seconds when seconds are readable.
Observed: 4,45,16
